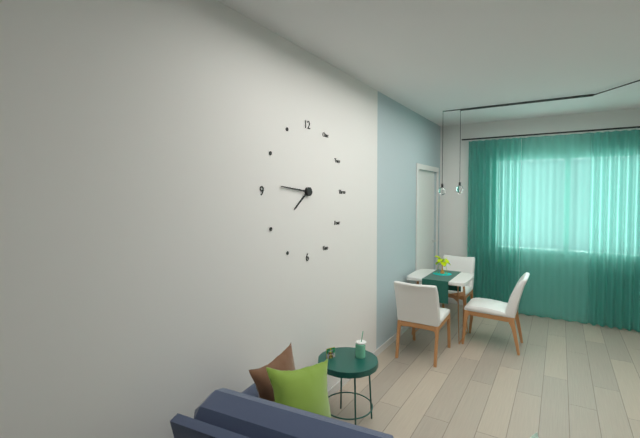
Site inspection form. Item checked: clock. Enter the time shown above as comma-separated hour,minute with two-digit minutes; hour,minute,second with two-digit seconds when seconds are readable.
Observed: 7,46
